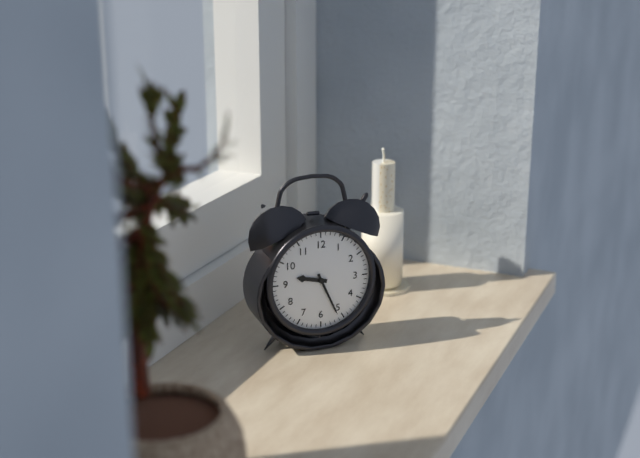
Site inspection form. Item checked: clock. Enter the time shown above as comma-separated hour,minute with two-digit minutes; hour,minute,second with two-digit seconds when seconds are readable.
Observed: 9,26
